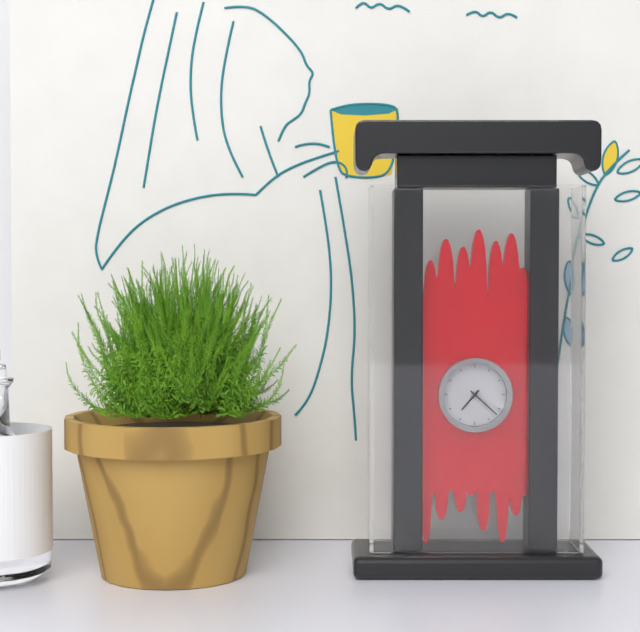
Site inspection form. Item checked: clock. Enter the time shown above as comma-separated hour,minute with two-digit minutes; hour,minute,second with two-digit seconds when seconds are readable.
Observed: 7,22
